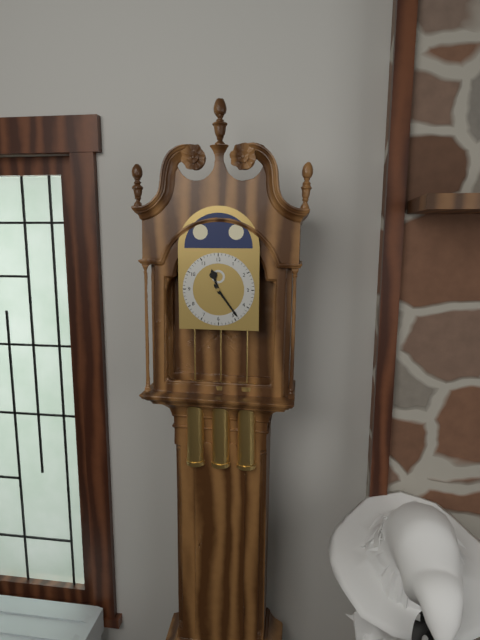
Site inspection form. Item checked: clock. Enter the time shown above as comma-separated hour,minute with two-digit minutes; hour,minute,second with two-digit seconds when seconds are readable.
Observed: 11,24
